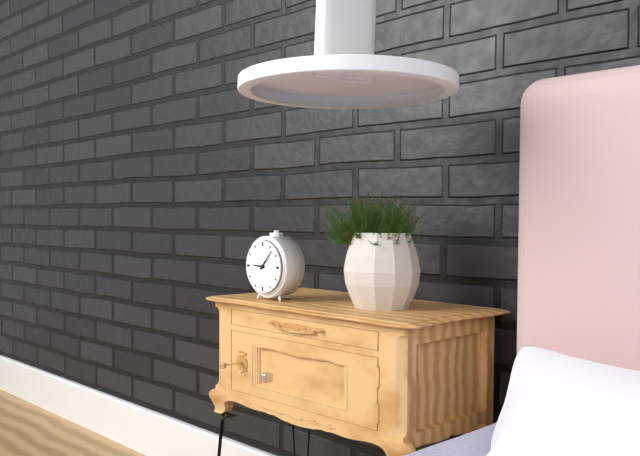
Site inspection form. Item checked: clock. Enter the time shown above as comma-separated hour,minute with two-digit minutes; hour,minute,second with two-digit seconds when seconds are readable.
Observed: 9,07
